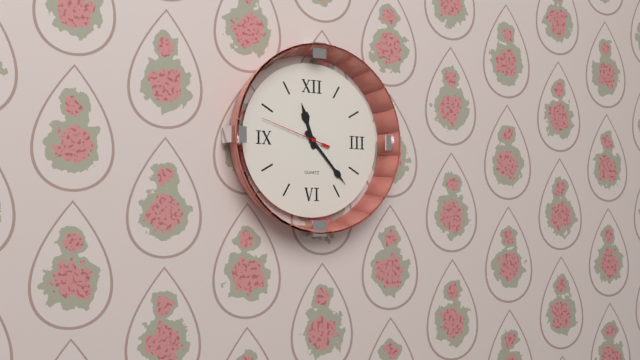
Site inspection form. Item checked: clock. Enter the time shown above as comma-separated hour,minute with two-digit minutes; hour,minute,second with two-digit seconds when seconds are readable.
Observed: 11,23,48
